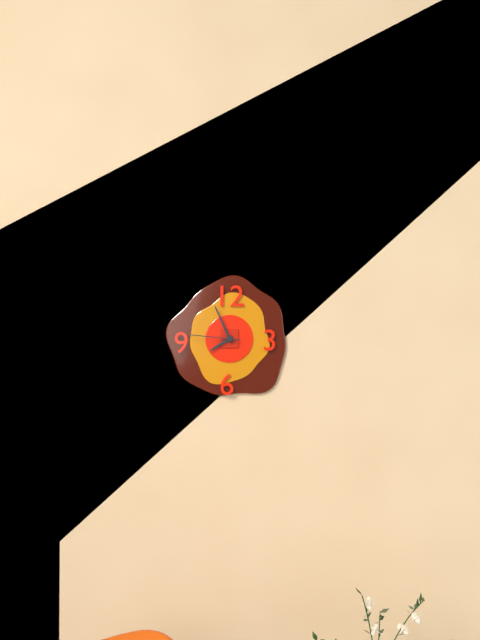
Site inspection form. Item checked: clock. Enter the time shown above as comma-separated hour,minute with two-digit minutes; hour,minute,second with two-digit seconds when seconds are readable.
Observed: 7,56,46
